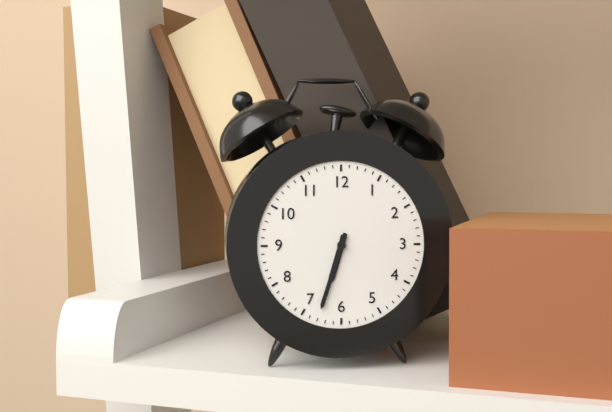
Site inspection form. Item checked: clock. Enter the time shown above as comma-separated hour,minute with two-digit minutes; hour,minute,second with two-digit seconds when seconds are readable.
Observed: 6,33
